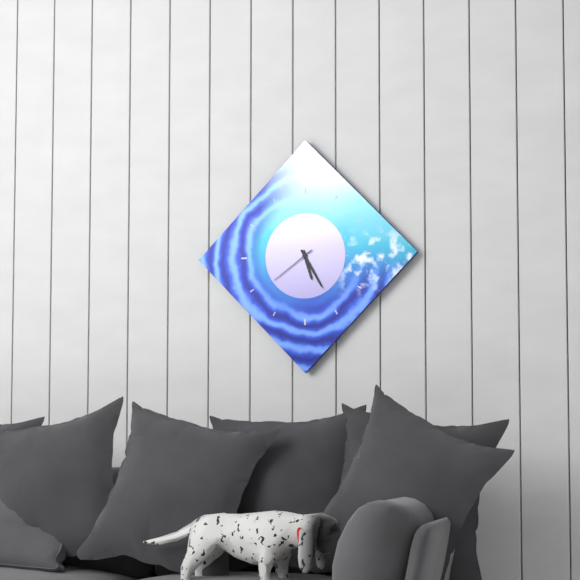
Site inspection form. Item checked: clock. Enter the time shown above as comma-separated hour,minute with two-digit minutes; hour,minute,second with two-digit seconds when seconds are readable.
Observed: 5,25,39
